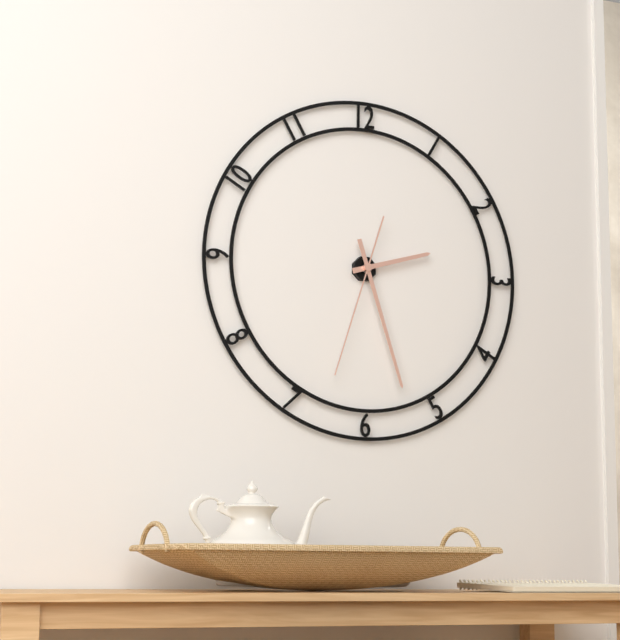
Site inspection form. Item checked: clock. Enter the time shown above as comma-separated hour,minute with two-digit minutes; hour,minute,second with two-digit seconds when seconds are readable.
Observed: 2,27,33
